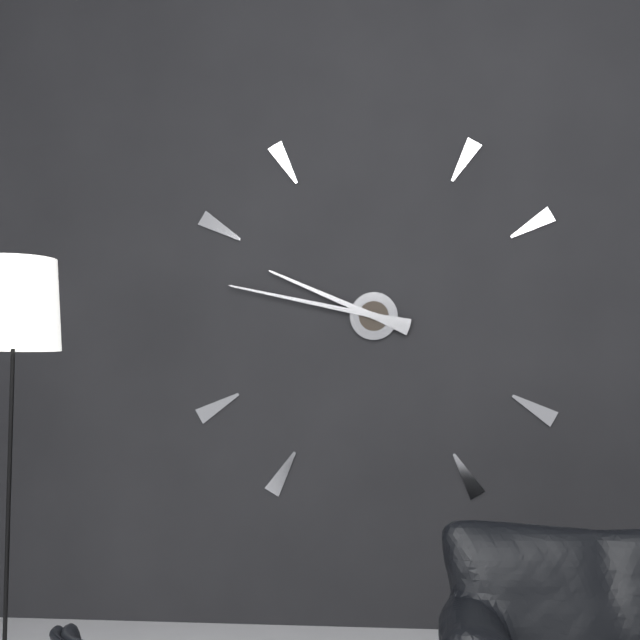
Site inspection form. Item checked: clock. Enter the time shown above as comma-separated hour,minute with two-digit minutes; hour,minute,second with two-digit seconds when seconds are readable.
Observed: 9,47
